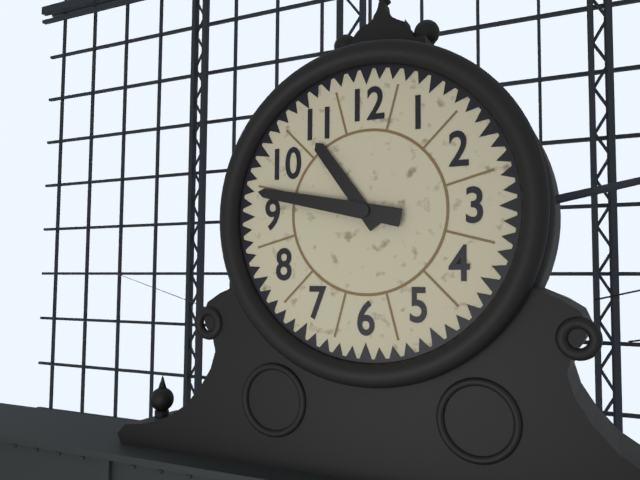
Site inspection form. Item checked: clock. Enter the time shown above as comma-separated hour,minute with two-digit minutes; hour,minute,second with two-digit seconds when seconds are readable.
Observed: 10,47
